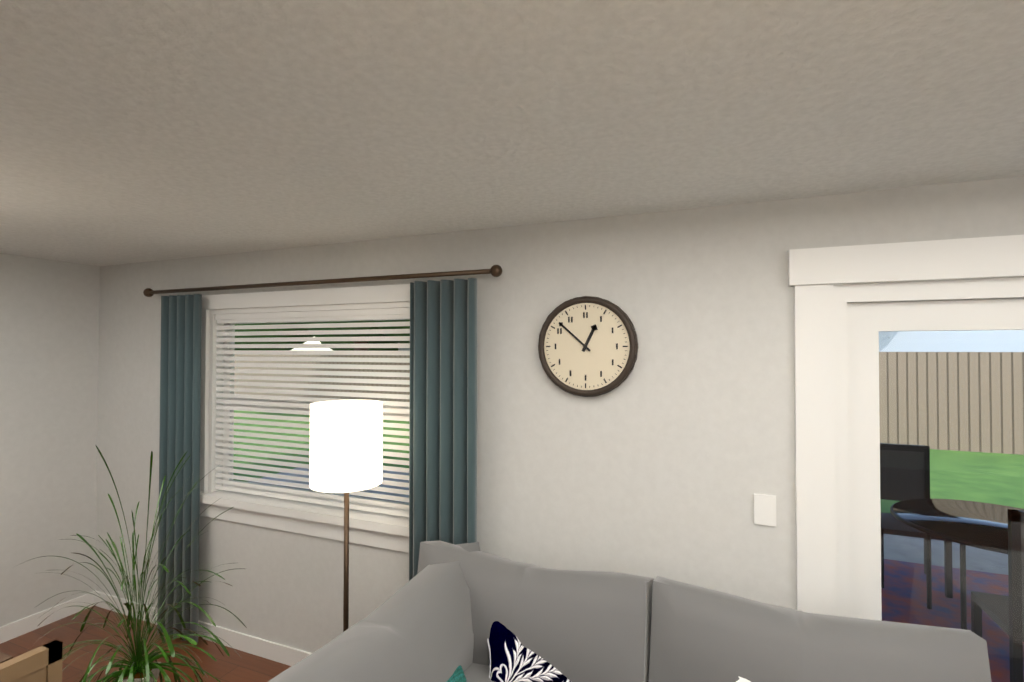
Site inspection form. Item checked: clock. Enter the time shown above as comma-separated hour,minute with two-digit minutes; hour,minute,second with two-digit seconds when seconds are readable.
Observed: 12,52
